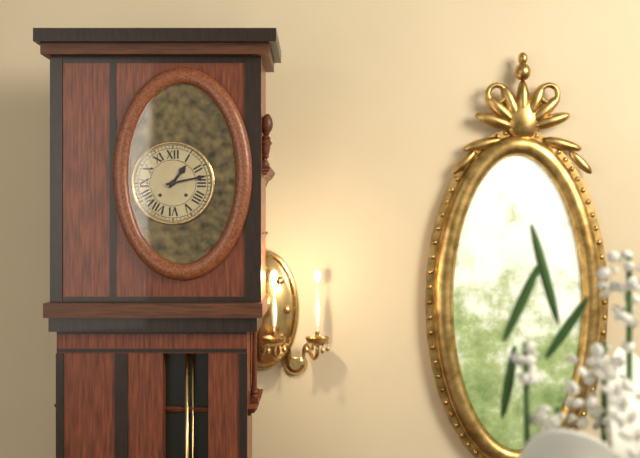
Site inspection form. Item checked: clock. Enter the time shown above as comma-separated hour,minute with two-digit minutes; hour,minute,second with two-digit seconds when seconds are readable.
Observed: 1,13
